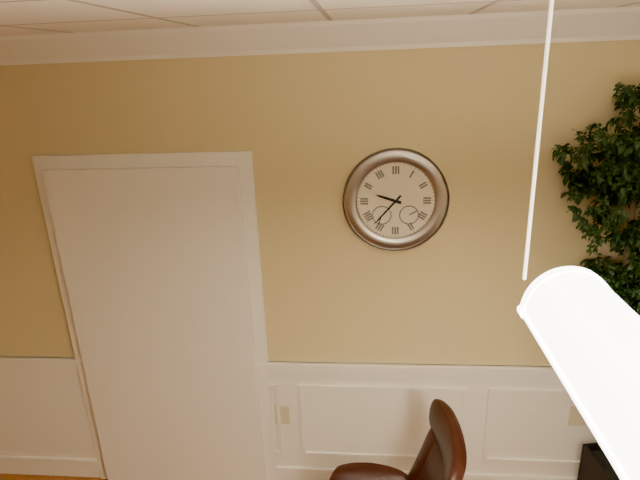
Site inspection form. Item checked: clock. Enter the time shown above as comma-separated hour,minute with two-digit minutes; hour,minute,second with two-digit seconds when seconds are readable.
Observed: 9,37
